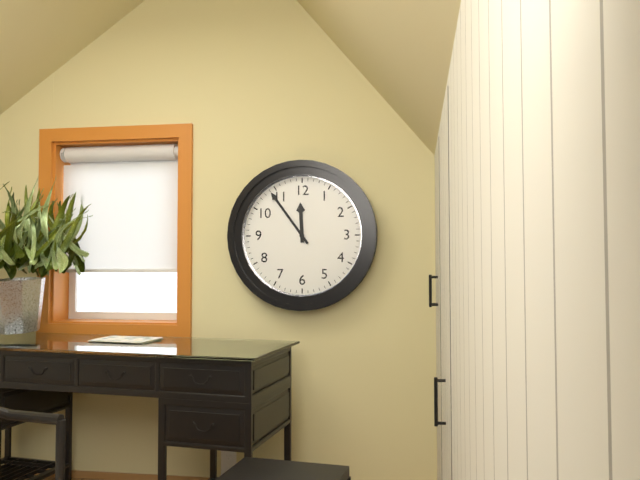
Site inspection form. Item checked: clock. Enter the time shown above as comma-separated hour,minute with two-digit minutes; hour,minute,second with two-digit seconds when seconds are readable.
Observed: 11,54
